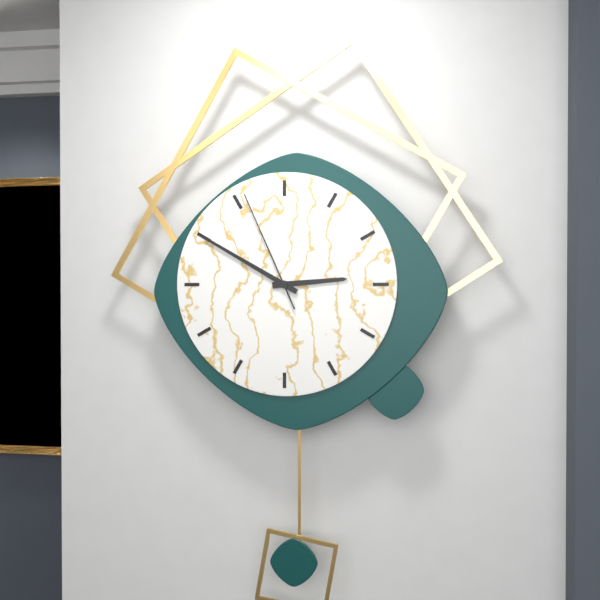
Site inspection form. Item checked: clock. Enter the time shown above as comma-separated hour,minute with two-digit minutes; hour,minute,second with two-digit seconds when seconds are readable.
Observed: 2,50,56
